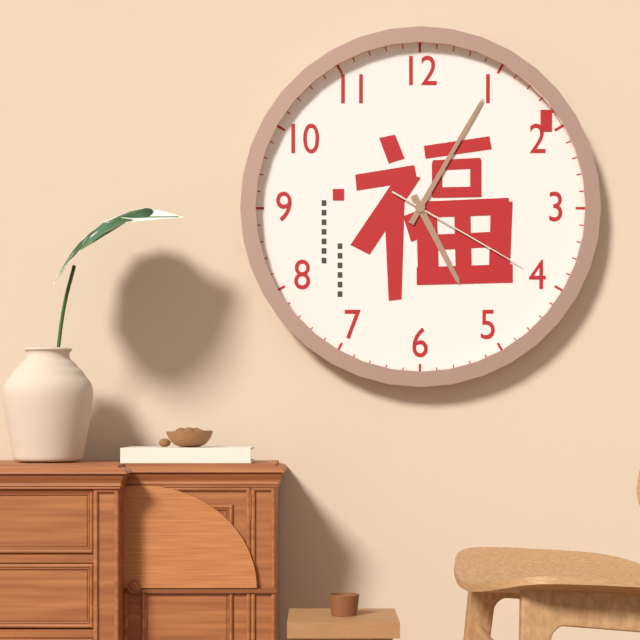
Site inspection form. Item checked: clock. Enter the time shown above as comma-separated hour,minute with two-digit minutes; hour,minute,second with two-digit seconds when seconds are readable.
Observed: 5,05,20
